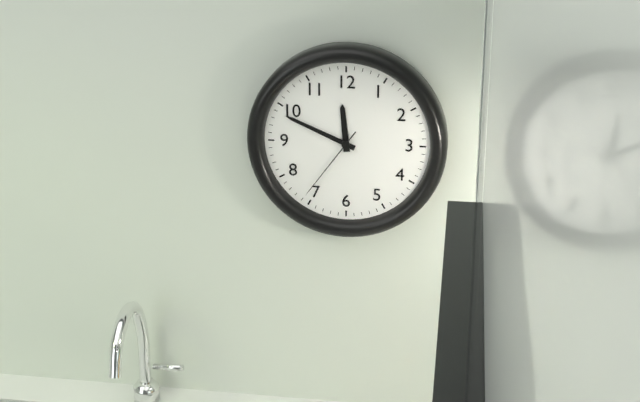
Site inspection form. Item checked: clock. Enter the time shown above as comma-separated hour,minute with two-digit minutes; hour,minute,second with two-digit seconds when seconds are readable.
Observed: 11,49,36
